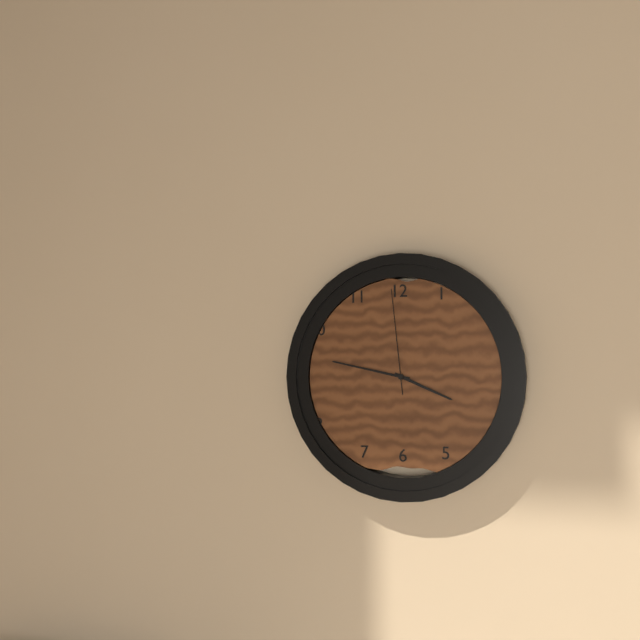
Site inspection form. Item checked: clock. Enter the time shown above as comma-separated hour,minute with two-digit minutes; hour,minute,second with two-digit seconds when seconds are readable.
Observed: 3,47,59
